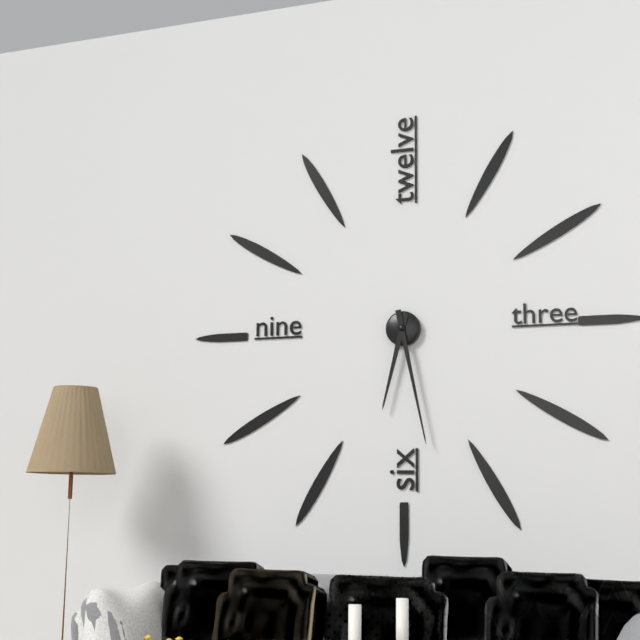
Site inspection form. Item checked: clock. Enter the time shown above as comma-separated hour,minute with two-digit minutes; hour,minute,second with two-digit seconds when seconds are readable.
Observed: 6,28
